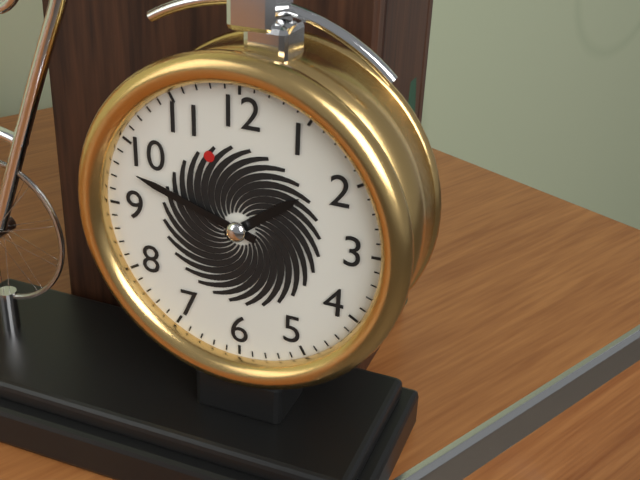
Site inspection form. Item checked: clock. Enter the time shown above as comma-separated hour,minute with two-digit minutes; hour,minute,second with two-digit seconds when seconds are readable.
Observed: 1,48
